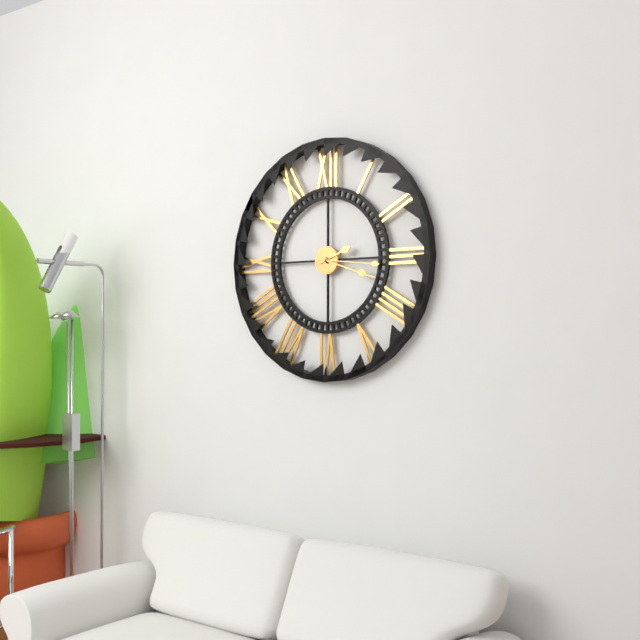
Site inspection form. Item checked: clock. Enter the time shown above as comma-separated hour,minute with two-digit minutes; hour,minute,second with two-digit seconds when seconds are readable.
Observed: 2,18,16
